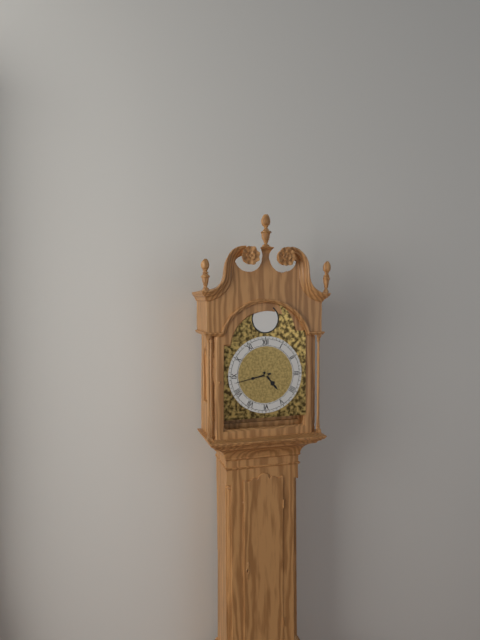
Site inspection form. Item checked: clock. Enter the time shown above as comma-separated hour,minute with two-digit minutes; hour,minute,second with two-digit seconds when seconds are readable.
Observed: 4,43
